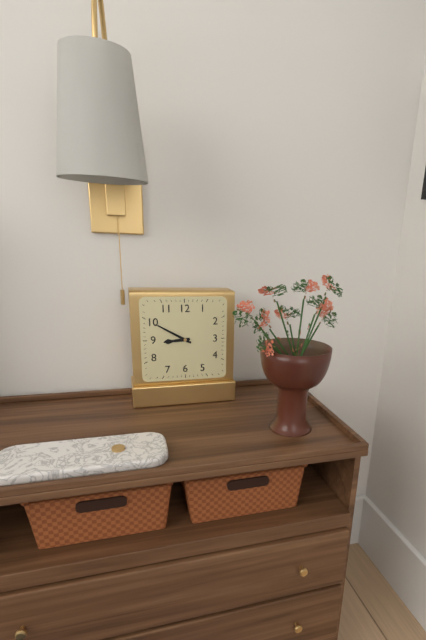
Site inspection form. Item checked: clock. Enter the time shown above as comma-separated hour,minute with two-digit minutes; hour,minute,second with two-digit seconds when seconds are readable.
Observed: 8,50
